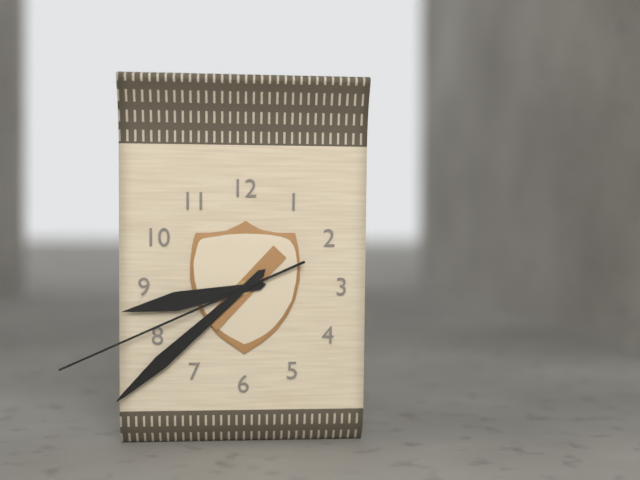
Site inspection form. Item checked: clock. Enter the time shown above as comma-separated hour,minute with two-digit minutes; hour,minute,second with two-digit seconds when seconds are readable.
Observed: 8,38,41
